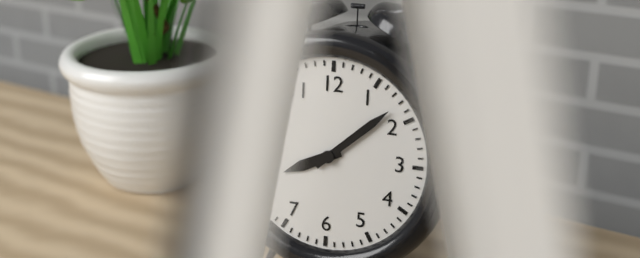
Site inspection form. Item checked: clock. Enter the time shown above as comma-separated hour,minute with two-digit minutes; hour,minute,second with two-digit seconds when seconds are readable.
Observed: 8,08
